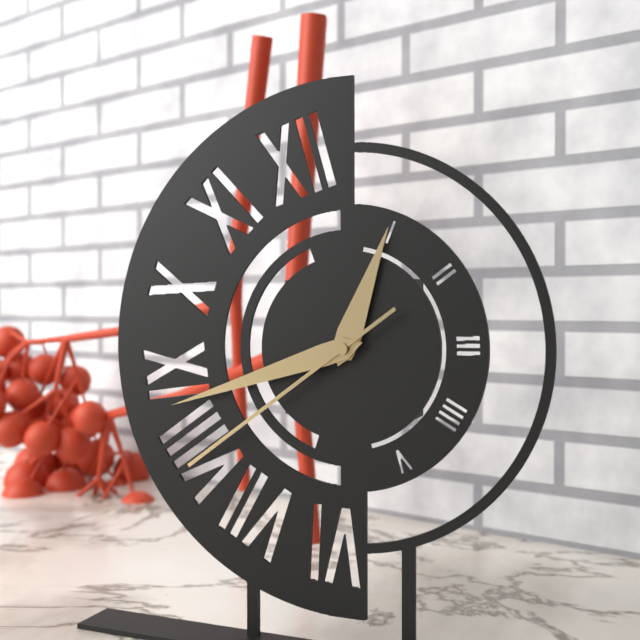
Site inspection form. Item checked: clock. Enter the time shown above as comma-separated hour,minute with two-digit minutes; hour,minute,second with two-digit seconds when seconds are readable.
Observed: 12,42,39
